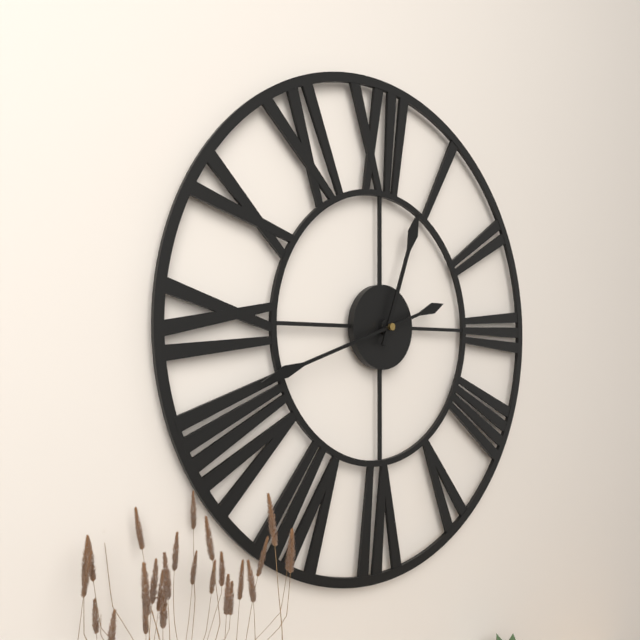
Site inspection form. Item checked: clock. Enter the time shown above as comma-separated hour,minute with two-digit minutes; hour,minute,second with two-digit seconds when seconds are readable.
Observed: 12,42
